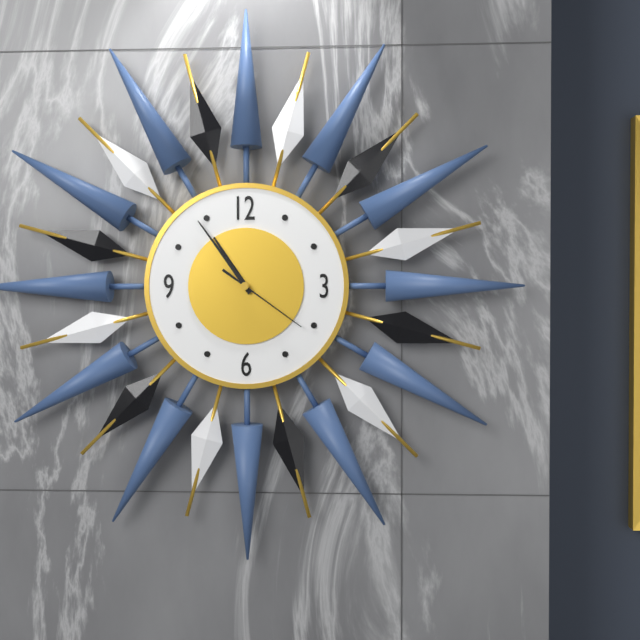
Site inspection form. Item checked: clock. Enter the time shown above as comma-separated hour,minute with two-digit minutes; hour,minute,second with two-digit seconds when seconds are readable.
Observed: 10,54,21
